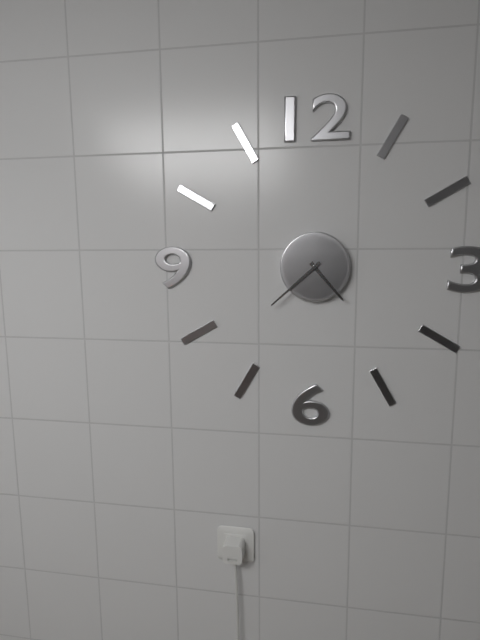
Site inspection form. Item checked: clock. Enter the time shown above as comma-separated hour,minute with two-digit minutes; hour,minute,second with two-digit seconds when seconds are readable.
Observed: 4,38
